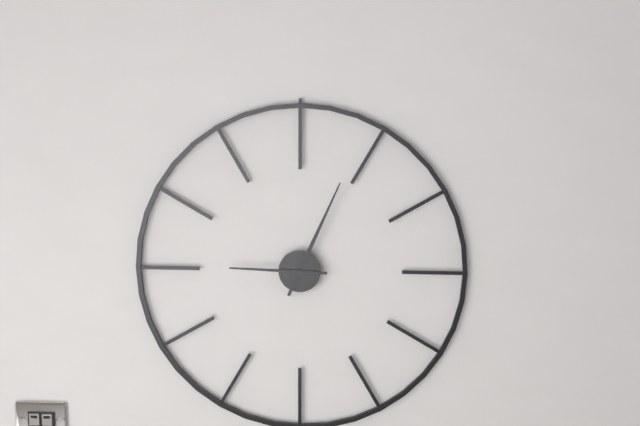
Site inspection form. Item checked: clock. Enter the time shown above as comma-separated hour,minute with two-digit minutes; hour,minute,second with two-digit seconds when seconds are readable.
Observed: 9,04
